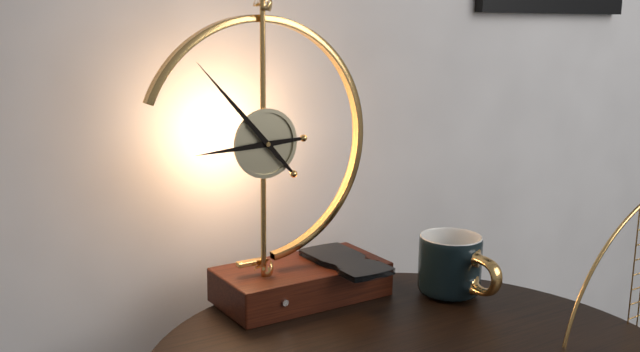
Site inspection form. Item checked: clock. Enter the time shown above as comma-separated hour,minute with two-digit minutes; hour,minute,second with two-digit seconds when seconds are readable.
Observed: 8,53
